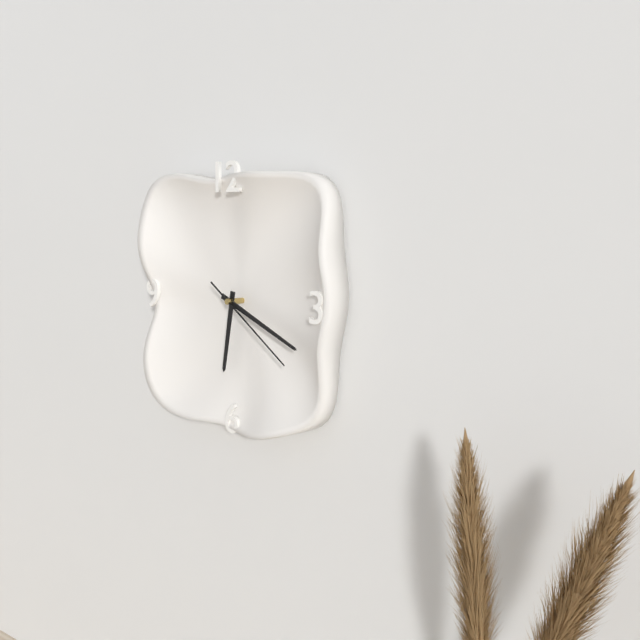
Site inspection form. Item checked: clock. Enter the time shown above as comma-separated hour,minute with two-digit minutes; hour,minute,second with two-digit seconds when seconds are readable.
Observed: 6,19,21
